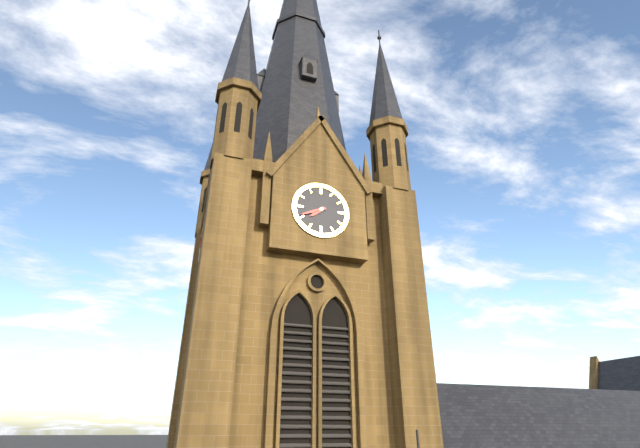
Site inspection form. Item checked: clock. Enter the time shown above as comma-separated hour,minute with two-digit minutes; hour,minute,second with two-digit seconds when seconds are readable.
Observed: 7,41
